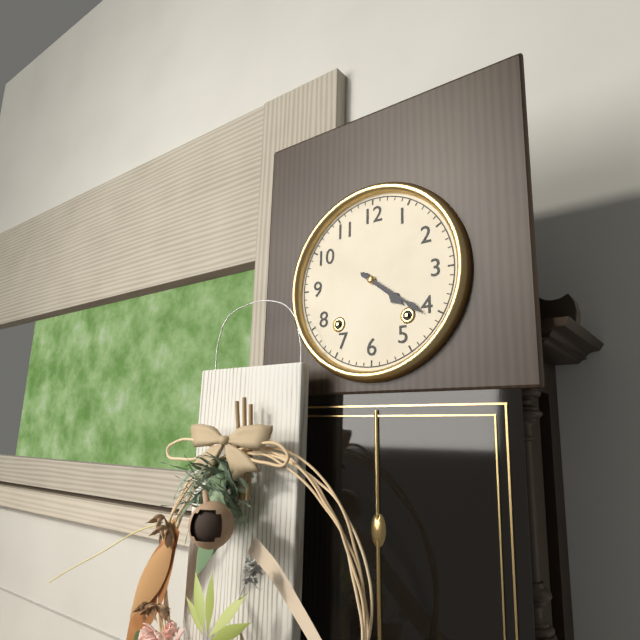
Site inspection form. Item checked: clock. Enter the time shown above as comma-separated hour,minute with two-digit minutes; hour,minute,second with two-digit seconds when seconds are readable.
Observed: 4,21
